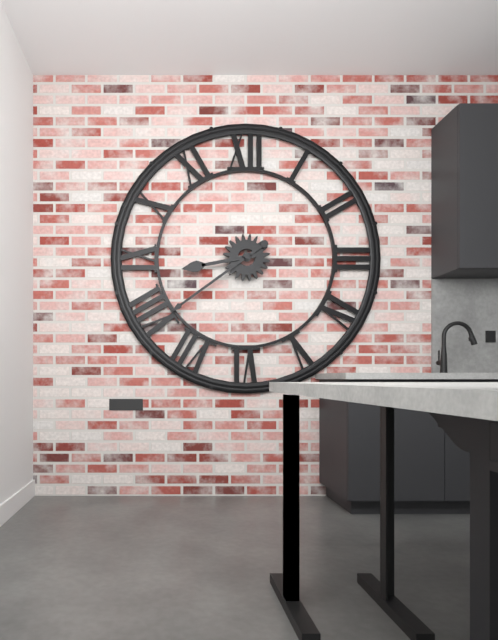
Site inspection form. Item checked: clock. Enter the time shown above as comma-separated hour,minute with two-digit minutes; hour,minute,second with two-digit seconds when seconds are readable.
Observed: 8,39
